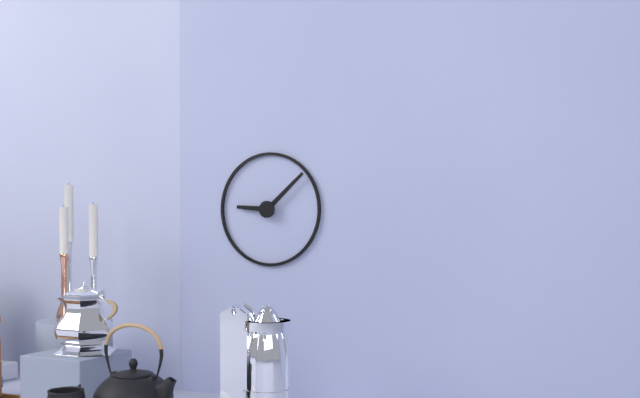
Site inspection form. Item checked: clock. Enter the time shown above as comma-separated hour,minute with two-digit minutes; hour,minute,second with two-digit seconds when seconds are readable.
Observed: 9,08
